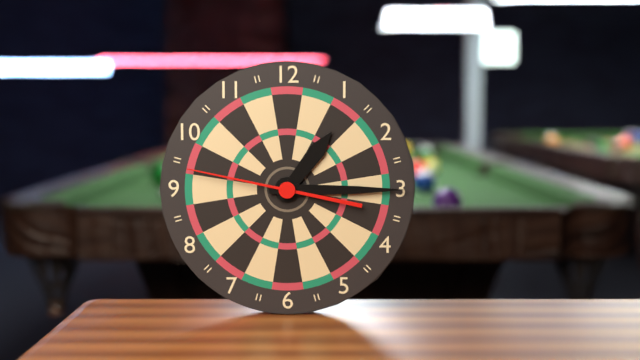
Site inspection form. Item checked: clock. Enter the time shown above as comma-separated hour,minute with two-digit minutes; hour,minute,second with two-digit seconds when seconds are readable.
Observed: 1,15,47
